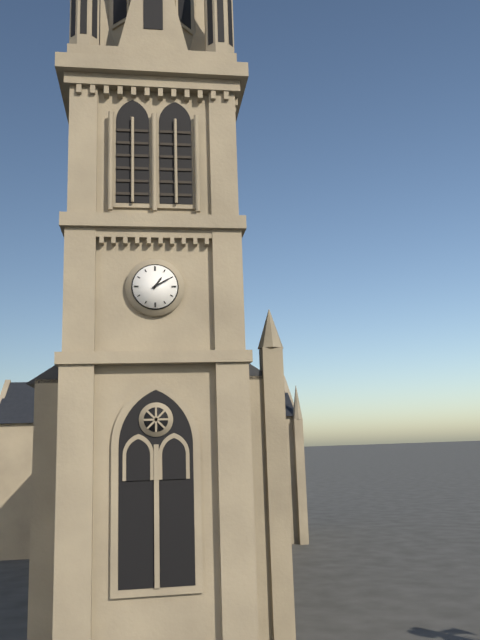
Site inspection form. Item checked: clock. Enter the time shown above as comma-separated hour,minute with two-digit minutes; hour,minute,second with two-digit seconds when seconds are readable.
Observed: 1,10
